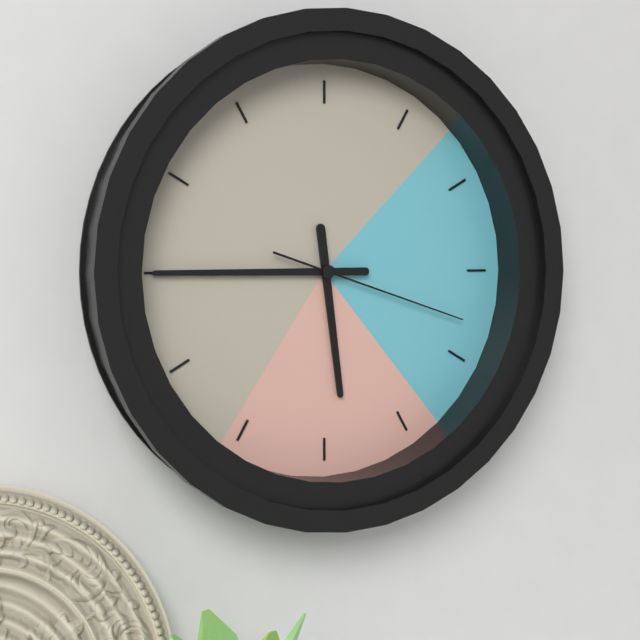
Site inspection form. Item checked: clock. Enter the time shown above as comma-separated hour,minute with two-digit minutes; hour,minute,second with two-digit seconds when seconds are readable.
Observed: 5,45,18
